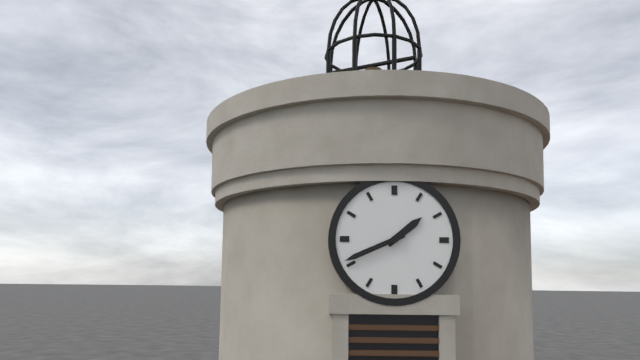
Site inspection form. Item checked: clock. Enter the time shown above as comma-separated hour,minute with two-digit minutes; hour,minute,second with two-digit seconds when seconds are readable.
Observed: 1,41
